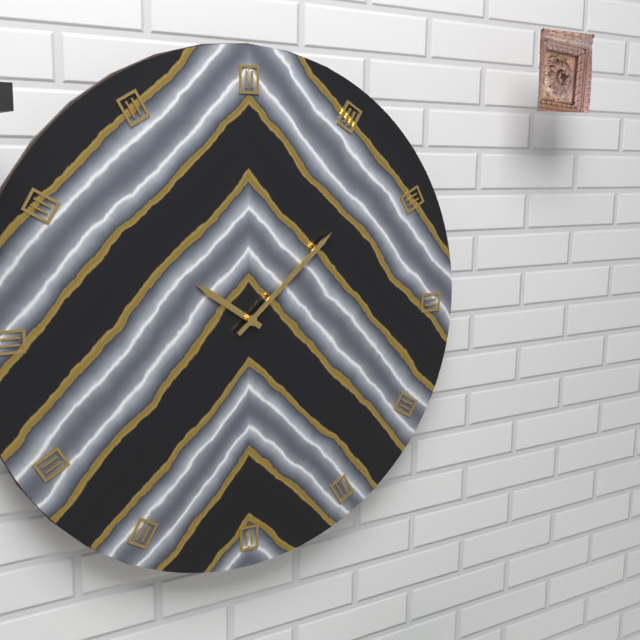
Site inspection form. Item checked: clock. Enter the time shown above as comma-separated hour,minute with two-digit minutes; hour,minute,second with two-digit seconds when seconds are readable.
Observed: 10,08
